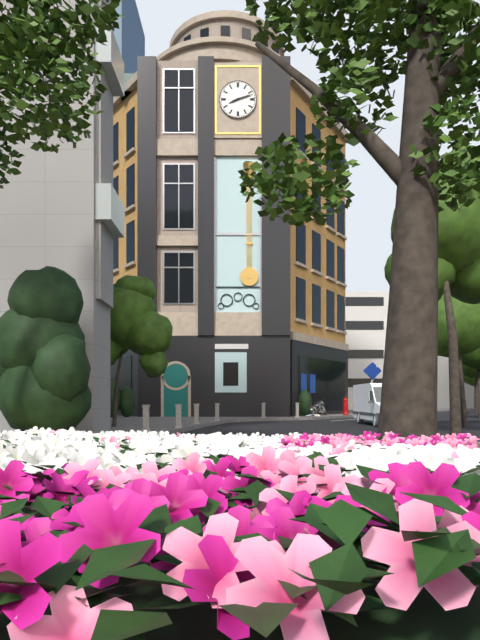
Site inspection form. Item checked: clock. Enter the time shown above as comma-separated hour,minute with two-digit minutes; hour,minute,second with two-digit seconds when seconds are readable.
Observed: 8,12
